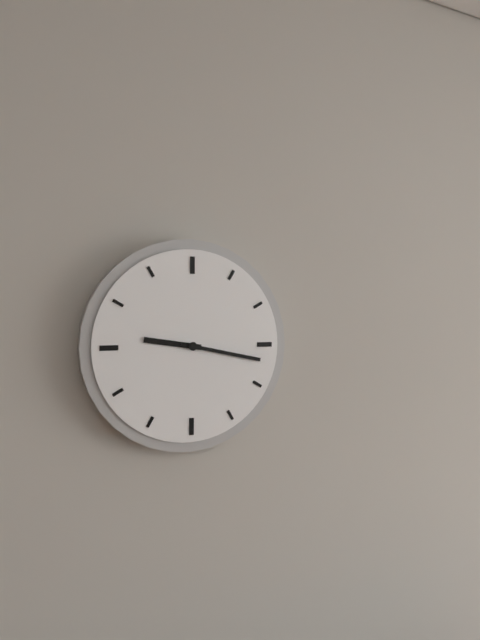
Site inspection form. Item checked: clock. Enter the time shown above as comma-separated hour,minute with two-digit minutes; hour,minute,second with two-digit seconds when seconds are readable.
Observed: 9,17
